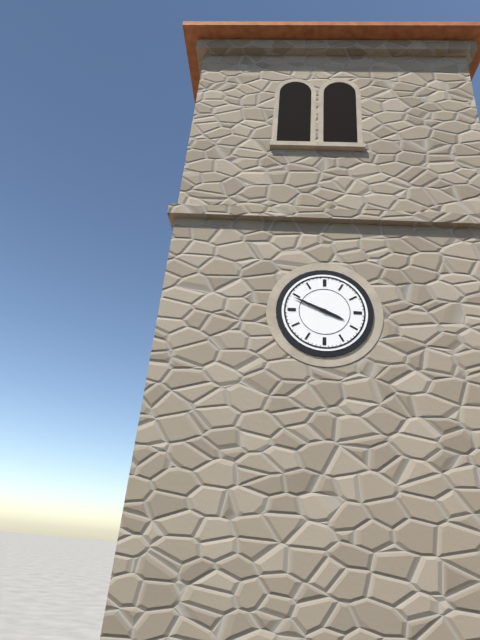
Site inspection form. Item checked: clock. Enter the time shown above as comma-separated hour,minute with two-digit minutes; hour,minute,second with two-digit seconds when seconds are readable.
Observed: 3,49
